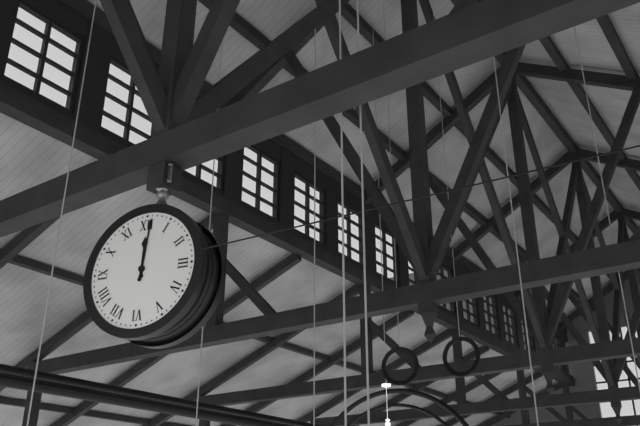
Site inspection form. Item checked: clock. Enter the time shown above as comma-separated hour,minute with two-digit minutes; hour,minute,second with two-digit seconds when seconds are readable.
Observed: 12,01
